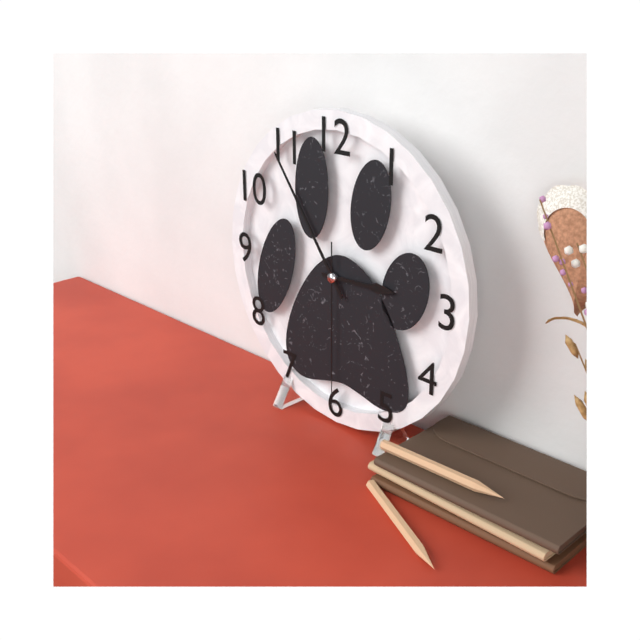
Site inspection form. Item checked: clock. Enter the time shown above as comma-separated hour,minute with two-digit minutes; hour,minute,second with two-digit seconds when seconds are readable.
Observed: 2,54,30
